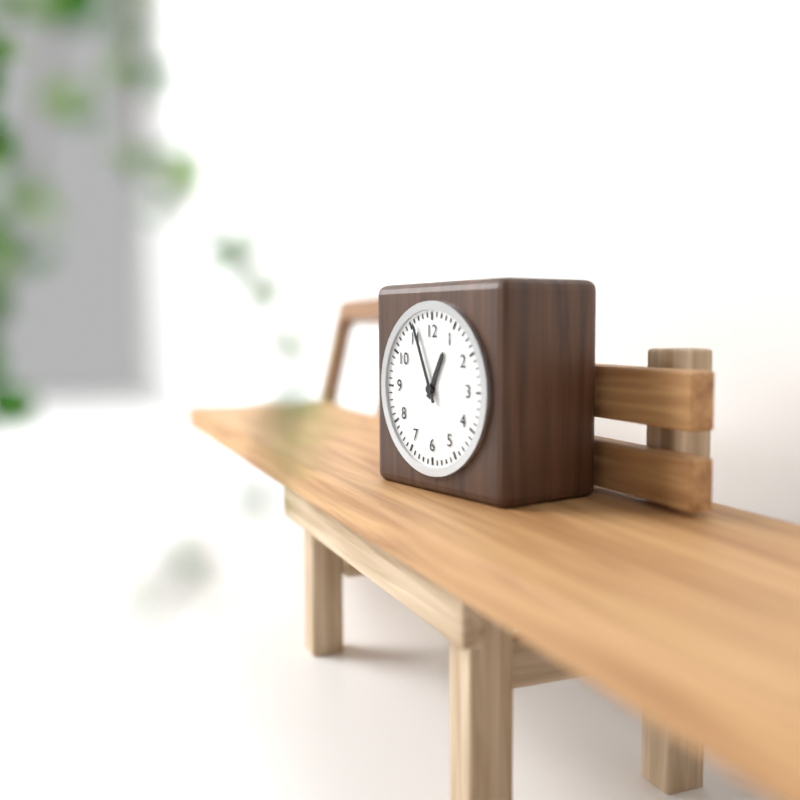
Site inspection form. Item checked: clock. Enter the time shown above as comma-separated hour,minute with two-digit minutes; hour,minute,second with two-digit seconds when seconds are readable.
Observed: 12,56
